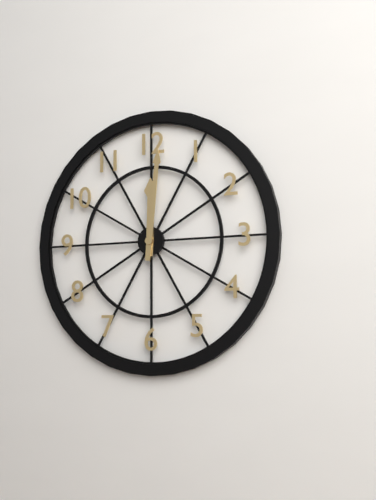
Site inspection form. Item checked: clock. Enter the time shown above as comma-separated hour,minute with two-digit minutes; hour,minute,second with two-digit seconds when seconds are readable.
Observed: 12,01
